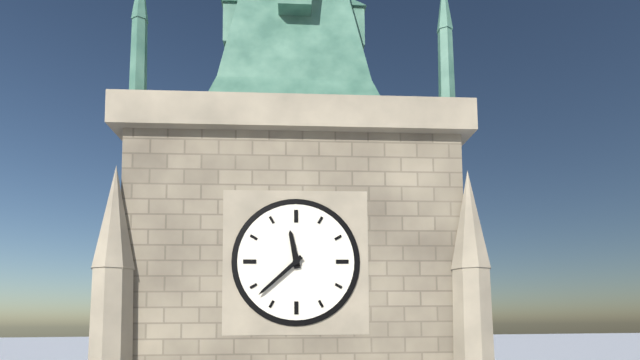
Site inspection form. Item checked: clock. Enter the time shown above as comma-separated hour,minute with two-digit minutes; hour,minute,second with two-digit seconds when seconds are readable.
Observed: 11,38
